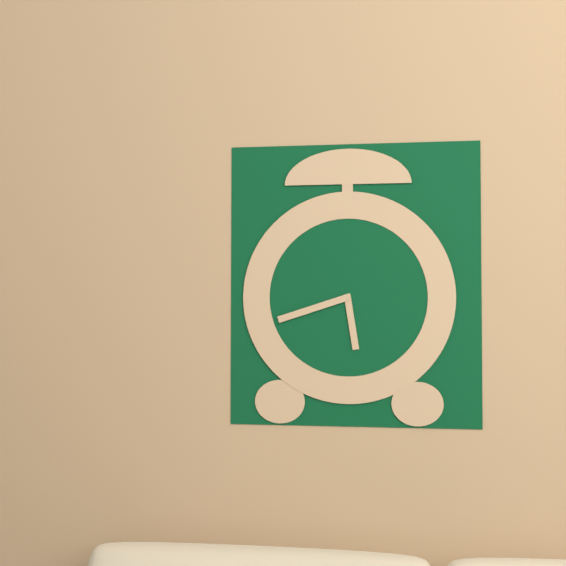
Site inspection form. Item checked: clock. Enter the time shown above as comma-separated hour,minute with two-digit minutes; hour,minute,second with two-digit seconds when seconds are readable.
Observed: 5,42
